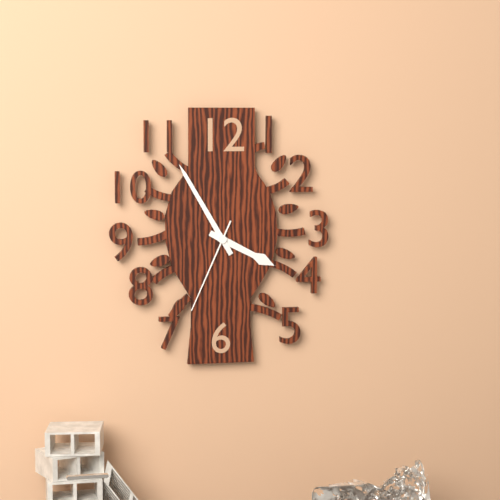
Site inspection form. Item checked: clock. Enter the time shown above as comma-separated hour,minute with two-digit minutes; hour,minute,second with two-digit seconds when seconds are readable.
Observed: 3,55,34
